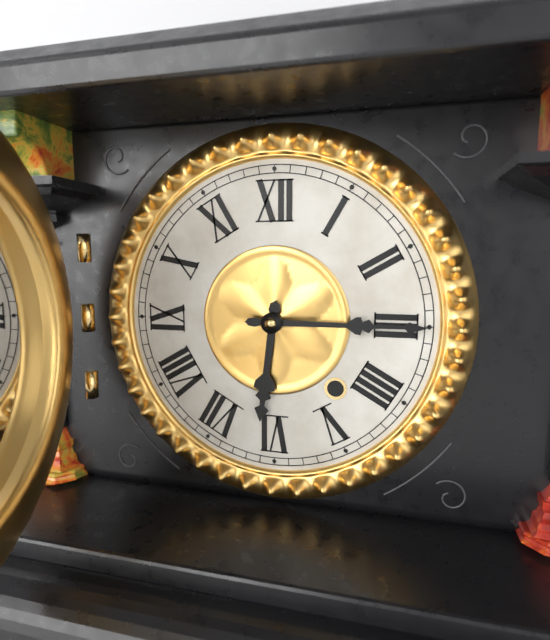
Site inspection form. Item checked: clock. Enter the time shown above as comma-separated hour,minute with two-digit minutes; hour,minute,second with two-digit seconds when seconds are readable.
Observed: 6,15
